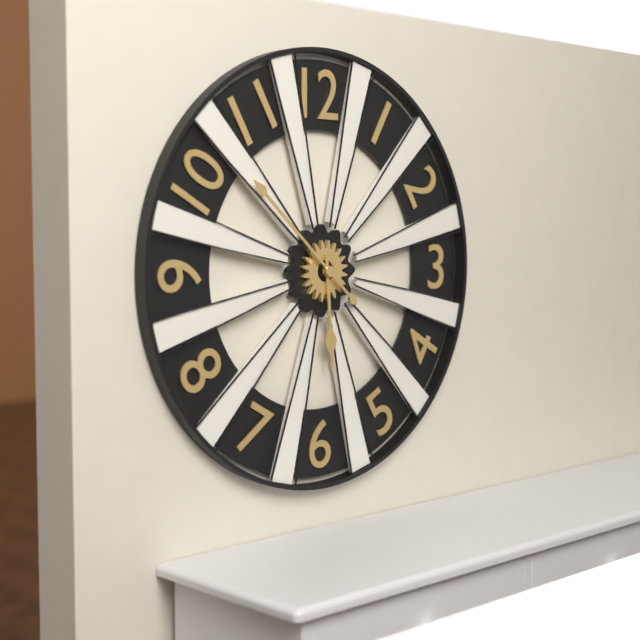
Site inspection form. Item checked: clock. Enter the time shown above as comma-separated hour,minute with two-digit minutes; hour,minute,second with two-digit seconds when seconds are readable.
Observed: 5,52
